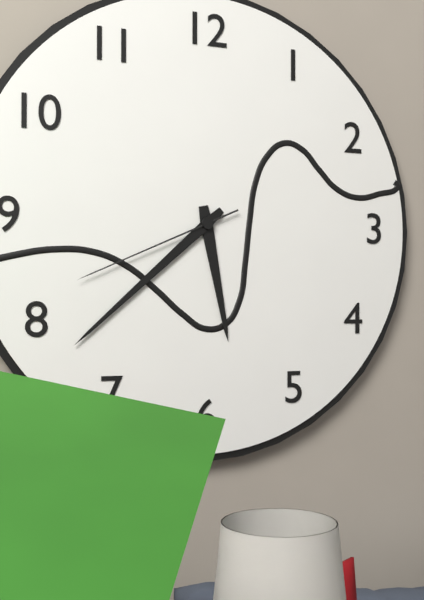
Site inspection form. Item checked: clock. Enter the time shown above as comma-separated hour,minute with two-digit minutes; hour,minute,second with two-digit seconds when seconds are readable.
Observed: 5,38,41
